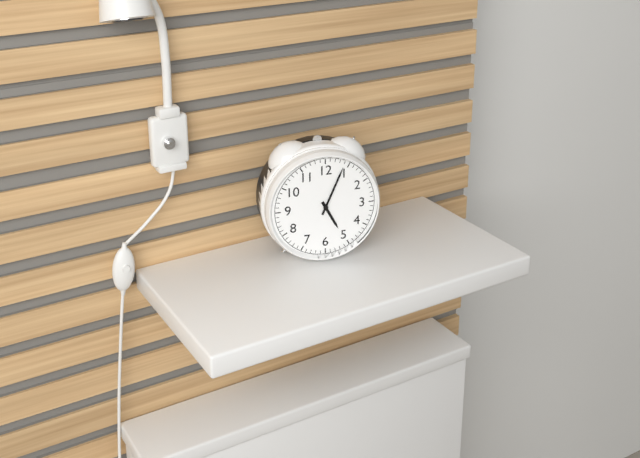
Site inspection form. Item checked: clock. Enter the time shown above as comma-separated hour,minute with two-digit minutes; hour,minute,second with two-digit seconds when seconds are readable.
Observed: 5,04
